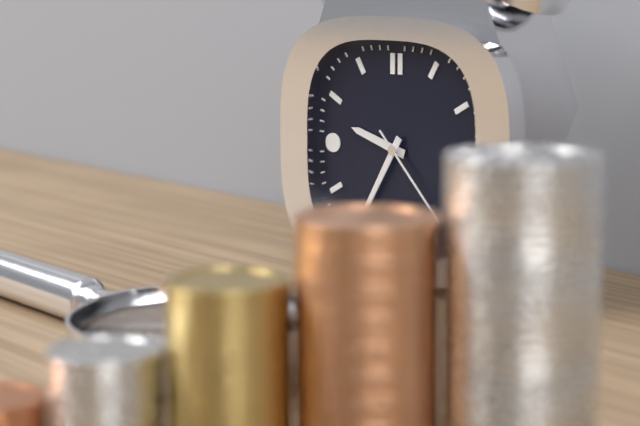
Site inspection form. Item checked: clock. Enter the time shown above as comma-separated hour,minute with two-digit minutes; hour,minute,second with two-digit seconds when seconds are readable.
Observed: 9,35,23
